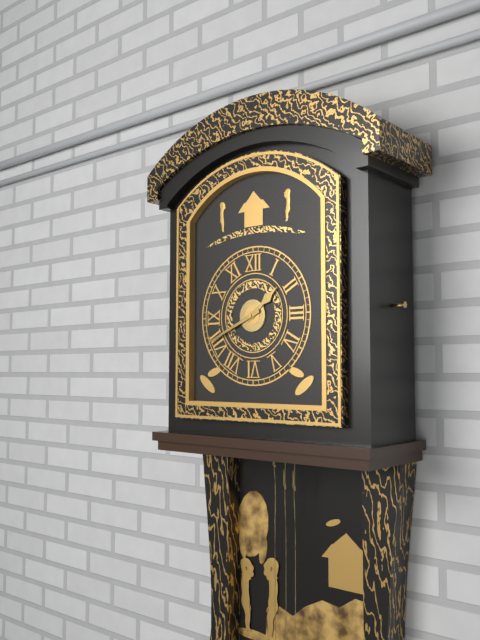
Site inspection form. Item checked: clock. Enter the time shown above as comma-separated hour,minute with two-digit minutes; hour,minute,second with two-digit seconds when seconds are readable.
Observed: 1,41
